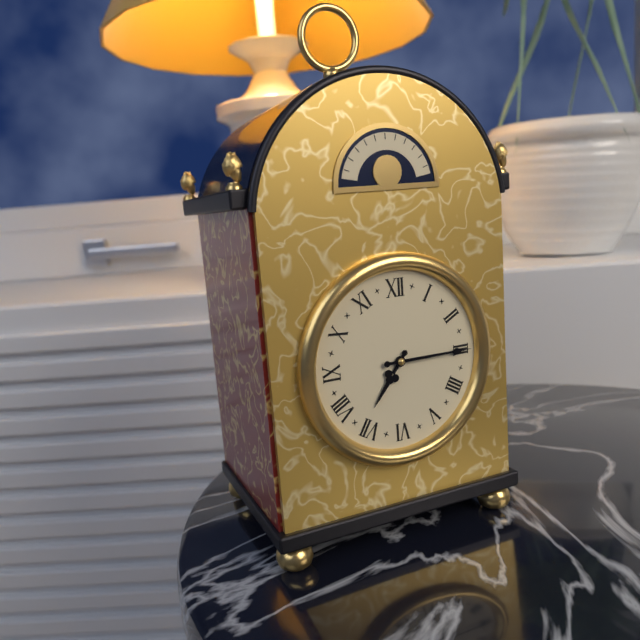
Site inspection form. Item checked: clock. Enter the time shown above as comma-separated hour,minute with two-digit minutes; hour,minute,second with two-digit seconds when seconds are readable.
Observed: 7,15
